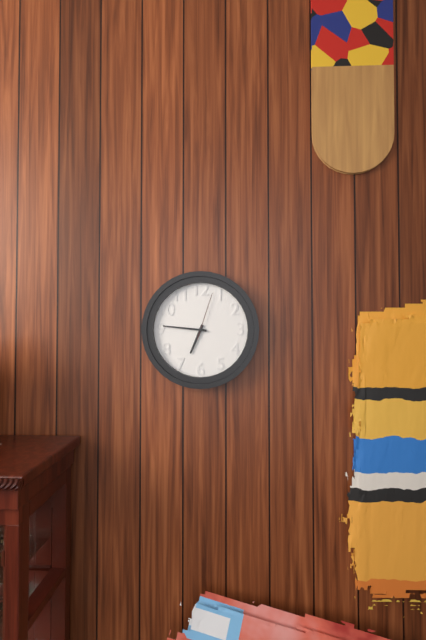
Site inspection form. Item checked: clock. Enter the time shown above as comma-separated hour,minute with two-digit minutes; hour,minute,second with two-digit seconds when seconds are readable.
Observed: 6,46
